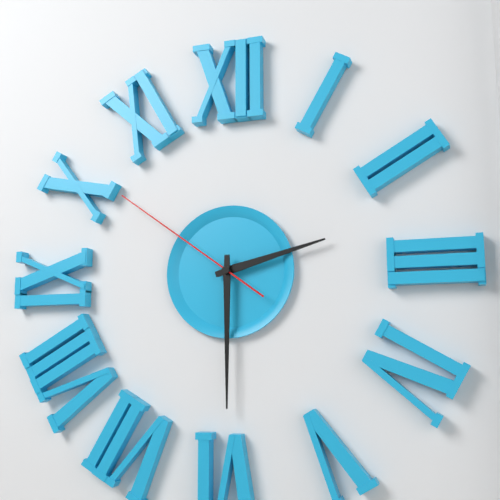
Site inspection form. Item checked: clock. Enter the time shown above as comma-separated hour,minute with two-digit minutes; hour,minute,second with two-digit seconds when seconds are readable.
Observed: 2,30,51
